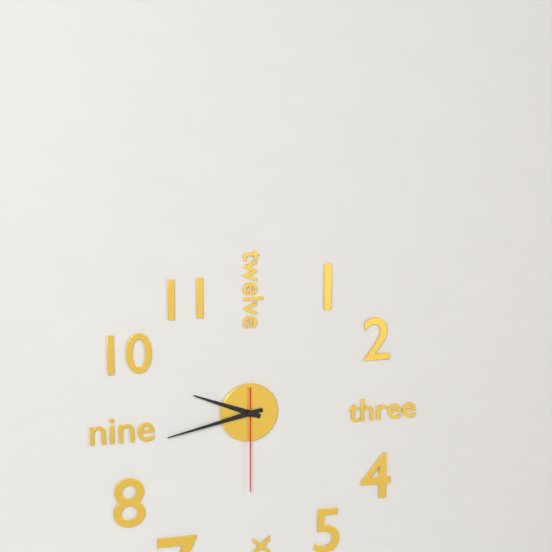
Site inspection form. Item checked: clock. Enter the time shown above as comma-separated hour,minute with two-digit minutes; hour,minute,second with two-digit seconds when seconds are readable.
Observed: 9,43,30
